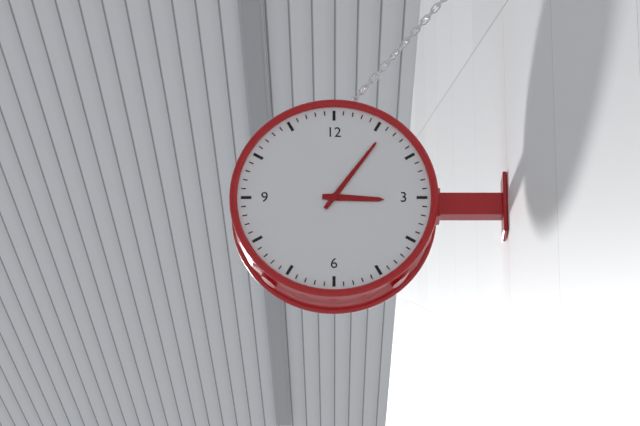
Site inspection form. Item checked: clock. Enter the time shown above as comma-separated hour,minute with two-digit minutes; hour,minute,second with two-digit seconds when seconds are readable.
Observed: 3,06
